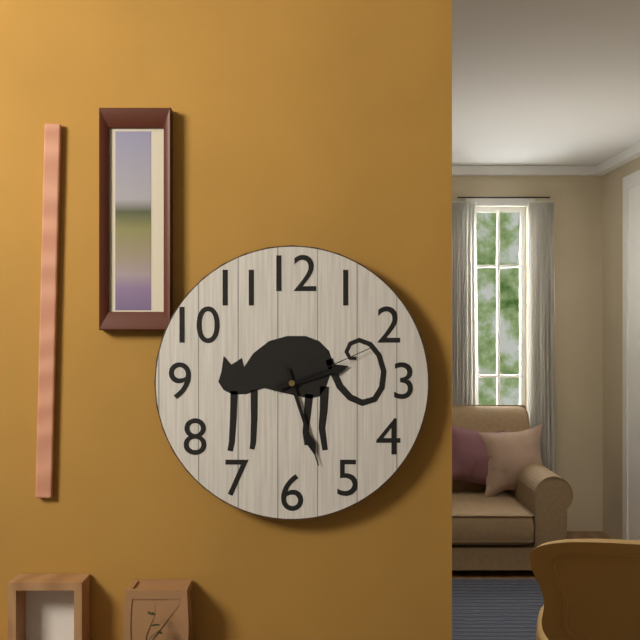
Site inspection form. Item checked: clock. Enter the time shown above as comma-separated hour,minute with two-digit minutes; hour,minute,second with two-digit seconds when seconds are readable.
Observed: 2,27,11
